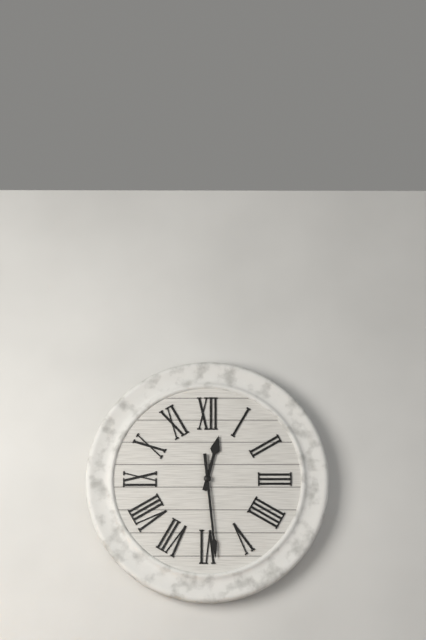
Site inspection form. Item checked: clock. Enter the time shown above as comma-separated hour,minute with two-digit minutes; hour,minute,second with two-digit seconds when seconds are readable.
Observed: 12,29
